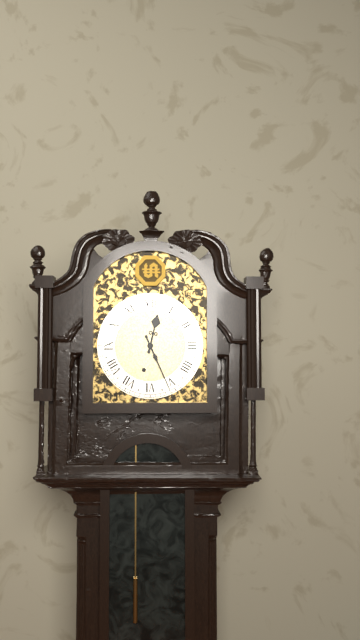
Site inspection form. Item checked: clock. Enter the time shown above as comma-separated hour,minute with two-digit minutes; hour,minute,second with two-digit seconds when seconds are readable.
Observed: 12,26
